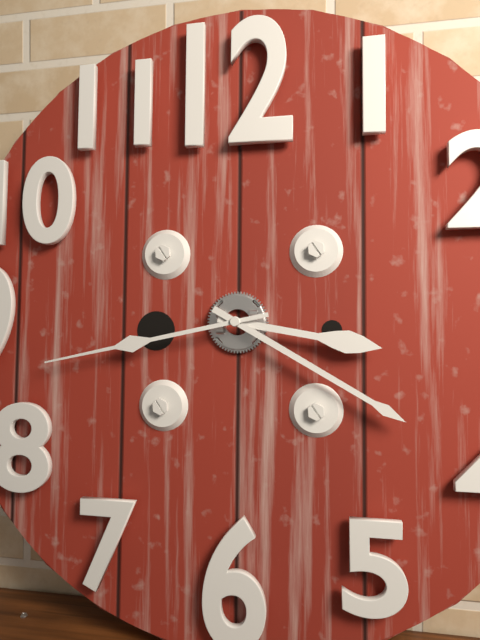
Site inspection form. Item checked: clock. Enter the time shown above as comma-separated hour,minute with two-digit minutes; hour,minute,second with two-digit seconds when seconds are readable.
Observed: 3,20,43
